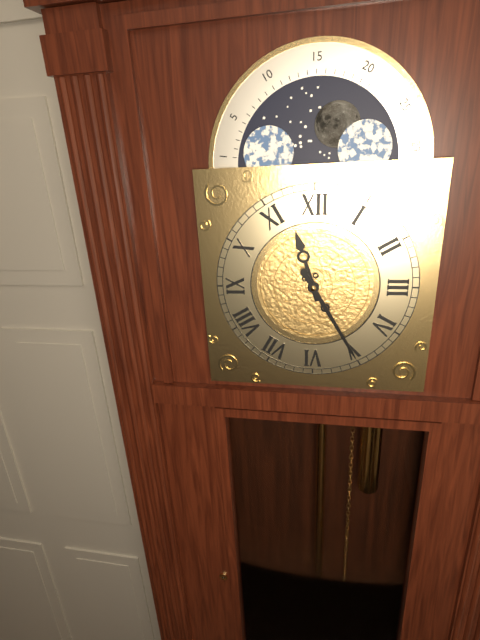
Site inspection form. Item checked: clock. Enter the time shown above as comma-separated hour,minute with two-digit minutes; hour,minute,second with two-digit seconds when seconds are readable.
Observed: 11,25
